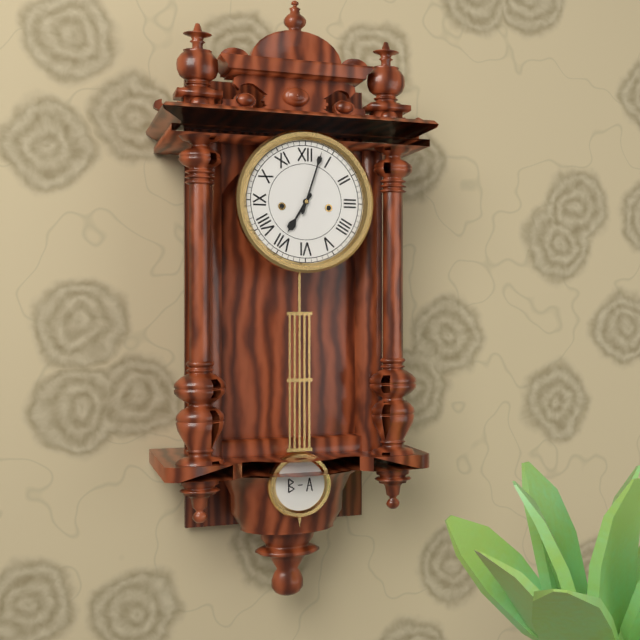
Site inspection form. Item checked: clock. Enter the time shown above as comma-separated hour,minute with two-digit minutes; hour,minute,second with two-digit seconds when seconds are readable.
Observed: 7,03
